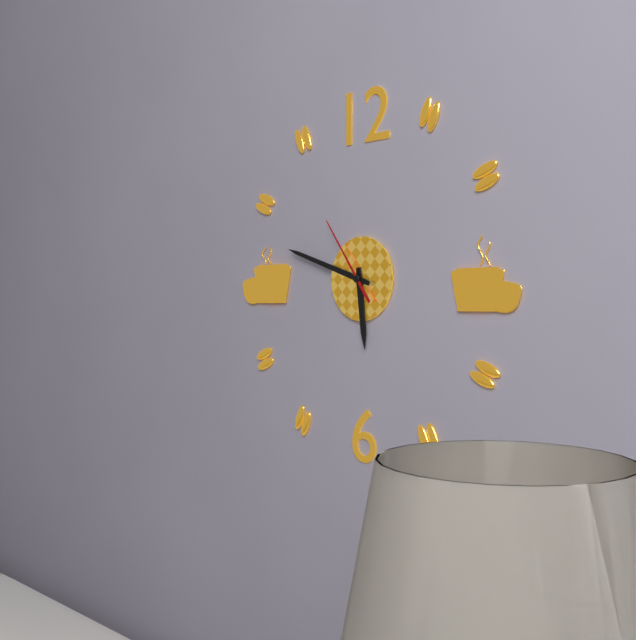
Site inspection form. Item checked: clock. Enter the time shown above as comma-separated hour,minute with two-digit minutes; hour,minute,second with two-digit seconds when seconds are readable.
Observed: 5,48,54
